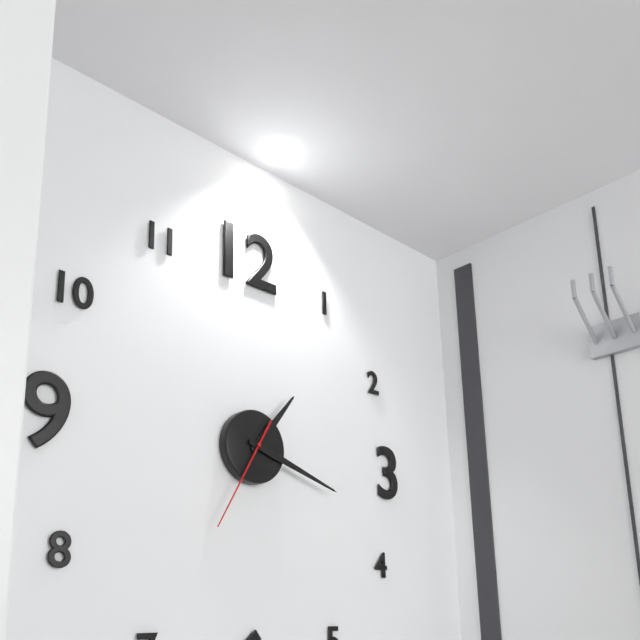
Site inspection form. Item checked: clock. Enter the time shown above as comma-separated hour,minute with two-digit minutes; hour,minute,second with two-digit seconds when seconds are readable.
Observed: 1,18,35
